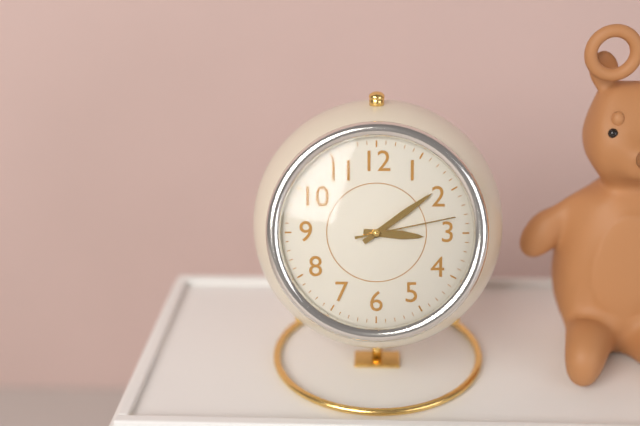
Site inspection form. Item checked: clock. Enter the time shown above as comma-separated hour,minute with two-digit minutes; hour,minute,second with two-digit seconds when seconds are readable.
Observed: 3,09,13
